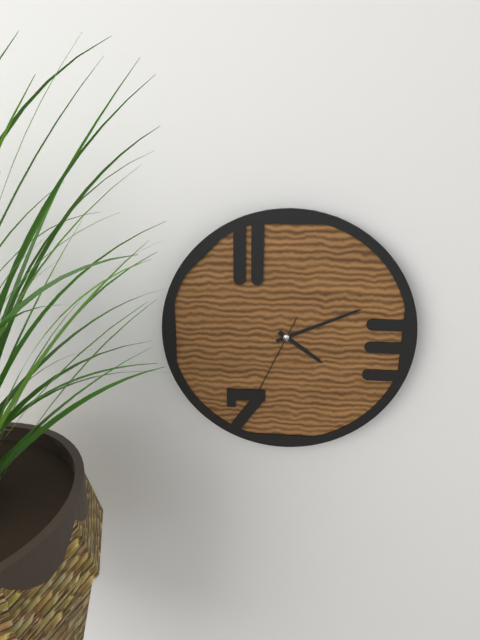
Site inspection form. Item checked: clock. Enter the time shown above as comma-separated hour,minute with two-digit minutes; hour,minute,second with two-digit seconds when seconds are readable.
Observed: 4,11,34
